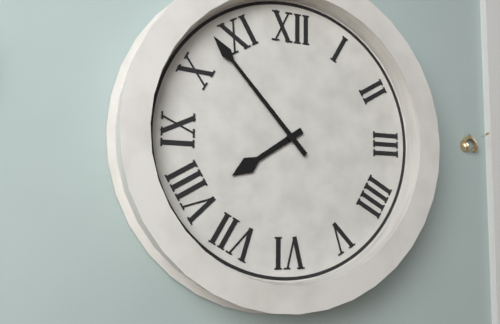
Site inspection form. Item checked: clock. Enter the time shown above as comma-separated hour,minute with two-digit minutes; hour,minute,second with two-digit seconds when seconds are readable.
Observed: 7,53
